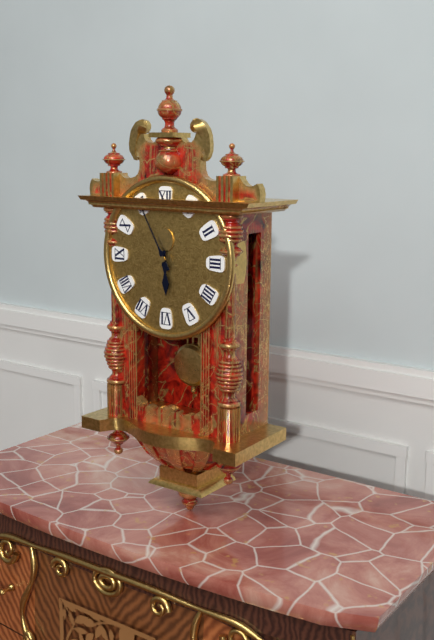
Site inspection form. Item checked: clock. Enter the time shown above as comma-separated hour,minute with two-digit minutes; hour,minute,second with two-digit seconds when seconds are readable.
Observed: 5,55
